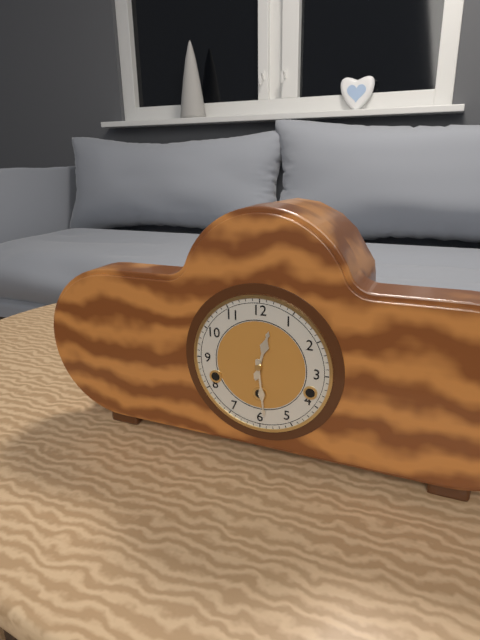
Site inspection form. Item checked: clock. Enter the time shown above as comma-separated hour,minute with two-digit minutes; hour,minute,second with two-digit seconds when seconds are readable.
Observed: 12,29
